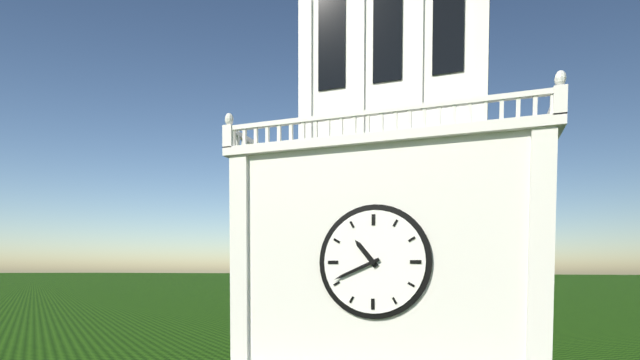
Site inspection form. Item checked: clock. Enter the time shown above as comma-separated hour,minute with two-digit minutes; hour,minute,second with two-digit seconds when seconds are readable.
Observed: 10,41
